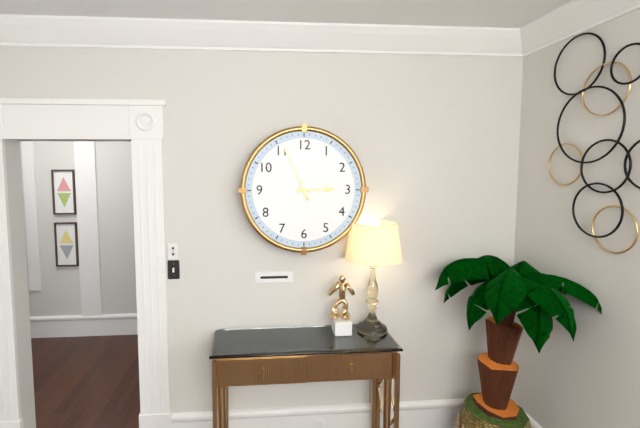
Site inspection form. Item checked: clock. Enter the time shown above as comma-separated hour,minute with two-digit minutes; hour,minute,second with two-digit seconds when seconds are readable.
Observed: 2,56
